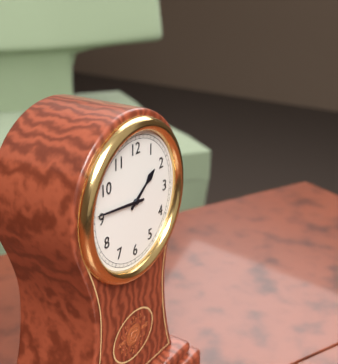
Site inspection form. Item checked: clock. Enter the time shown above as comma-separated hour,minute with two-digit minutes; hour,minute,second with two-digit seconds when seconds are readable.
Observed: 1,46
